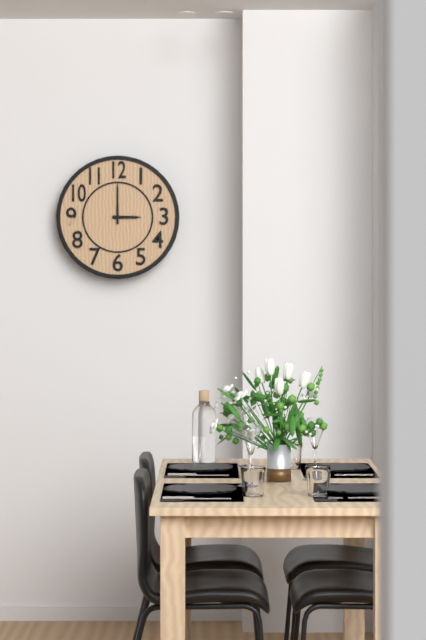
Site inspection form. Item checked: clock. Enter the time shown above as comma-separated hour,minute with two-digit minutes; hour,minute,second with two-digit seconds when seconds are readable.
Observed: 3,00
